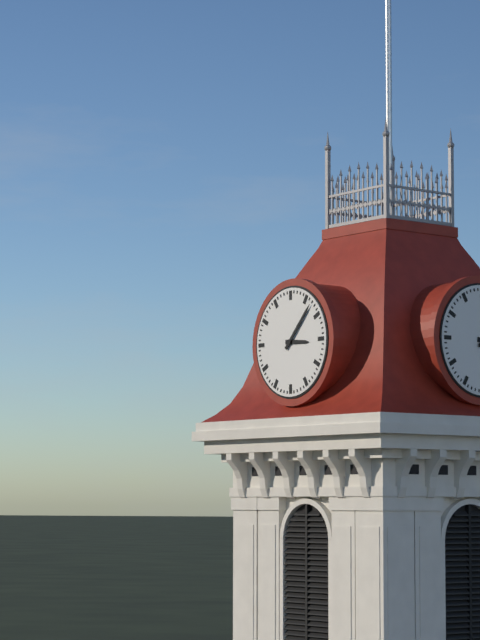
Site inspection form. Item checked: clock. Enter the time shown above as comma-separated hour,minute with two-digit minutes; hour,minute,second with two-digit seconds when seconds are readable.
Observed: 3,07
